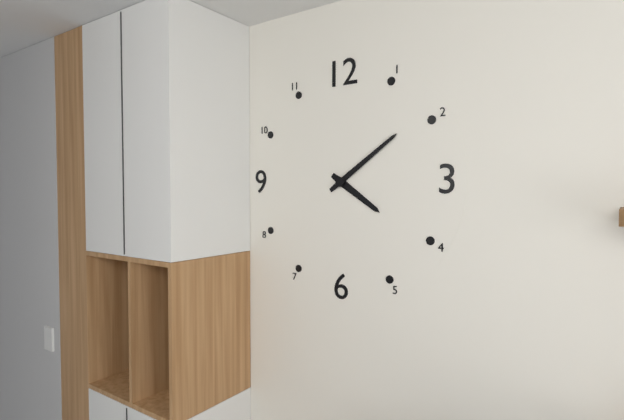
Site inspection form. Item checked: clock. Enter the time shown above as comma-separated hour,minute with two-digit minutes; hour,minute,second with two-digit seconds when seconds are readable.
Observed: 4,09
